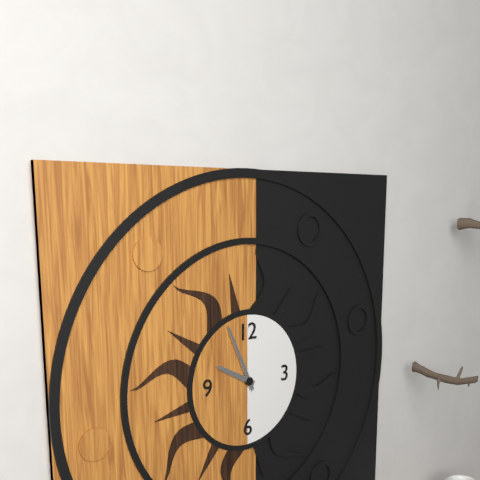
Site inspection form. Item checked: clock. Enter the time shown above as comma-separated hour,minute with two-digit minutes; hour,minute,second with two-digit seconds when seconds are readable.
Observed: 9,56
